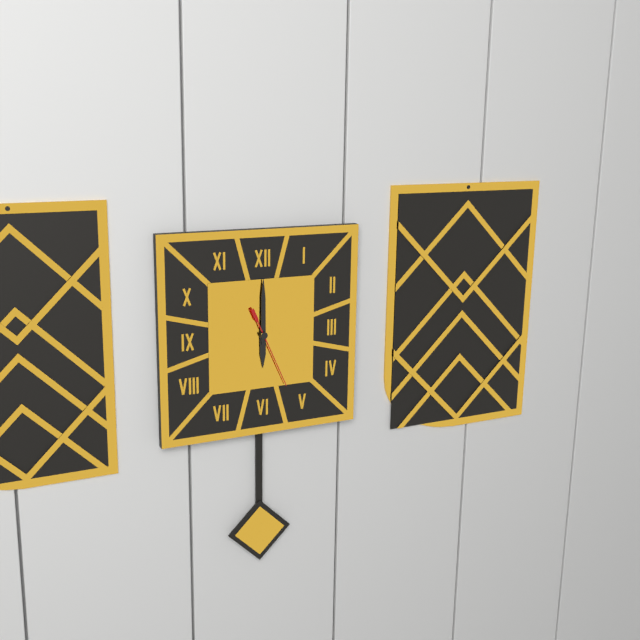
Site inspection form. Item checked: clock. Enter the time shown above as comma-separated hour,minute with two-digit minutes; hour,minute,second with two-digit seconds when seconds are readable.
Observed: 6,00,26
